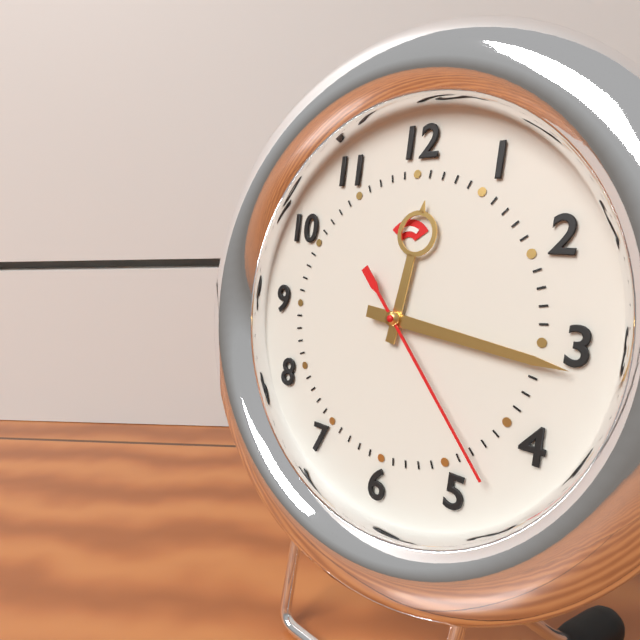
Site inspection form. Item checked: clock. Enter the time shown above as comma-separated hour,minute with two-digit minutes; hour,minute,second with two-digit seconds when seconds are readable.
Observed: 12,16,23
